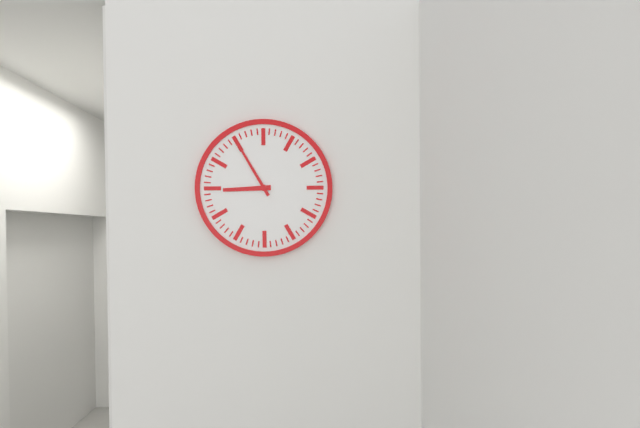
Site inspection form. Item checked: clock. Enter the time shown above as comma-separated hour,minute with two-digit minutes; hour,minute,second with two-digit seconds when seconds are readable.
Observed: 8,55
